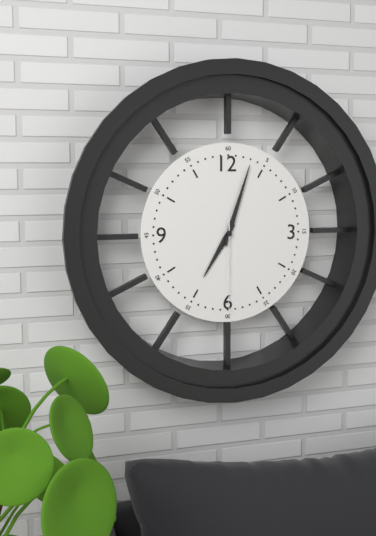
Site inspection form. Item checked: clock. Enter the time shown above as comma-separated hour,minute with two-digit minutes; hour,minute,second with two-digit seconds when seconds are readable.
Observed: 7,03,30
